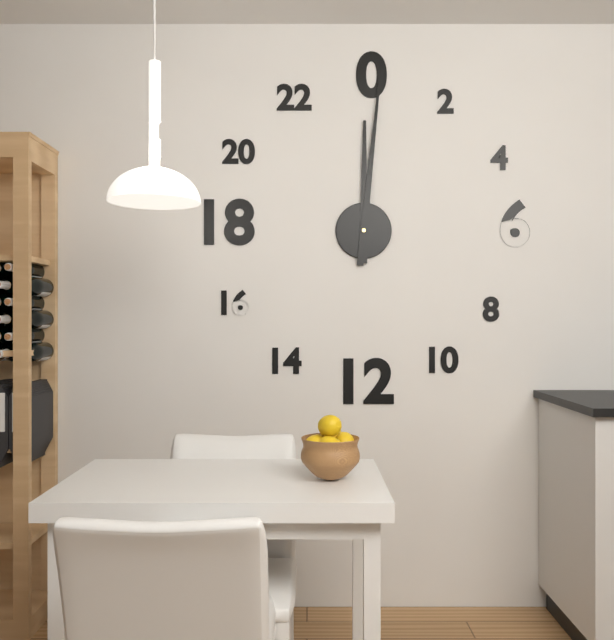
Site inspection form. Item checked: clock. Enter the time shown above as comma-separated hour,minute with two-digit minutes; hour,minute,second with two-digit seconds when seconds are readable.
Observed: 12,01
